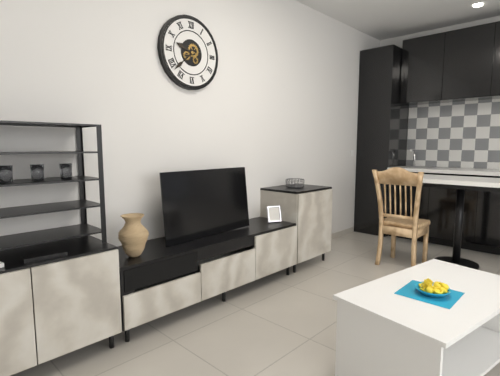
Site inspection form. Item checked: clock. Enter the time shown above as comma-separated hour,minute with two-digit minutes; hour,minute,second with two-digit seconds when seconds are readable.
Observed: 9,38
